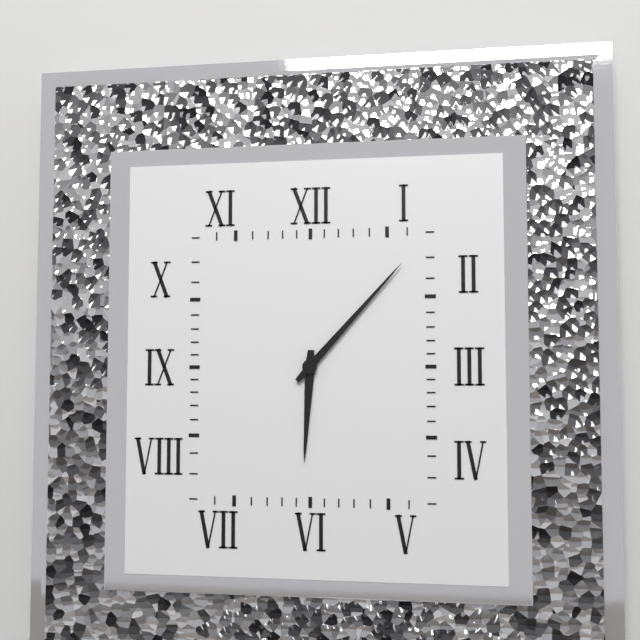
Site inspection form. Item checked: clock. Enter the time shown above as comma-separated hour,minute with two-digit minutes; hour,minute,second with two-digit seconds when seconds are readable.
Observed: 6,07
